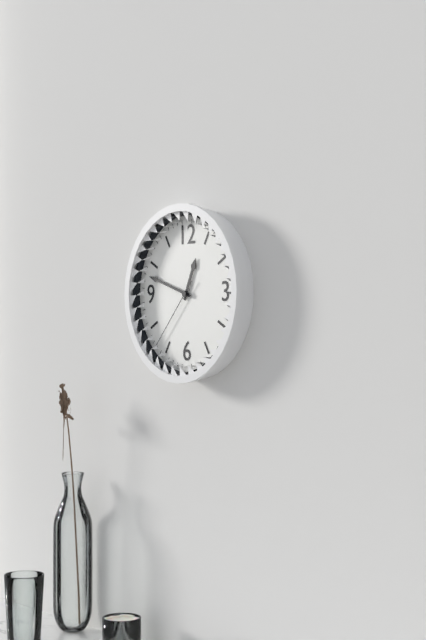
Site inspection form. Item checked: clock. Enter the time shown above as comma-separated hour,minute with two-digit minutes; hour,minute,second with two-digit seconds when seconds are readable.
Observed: 12,48,37
